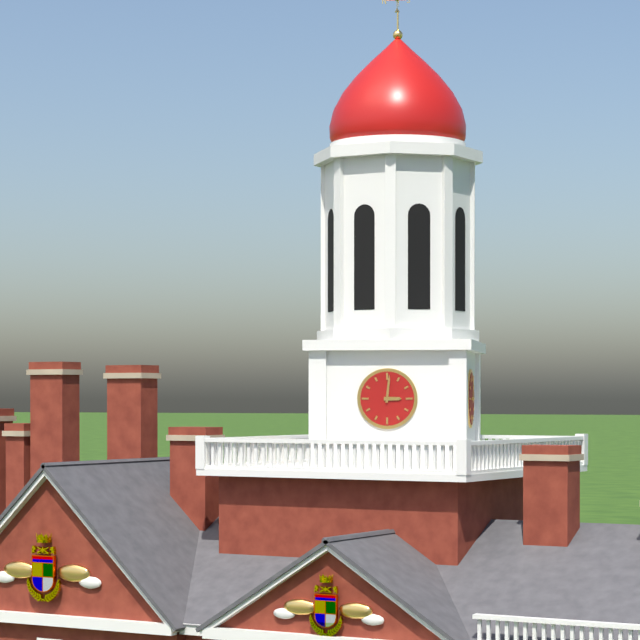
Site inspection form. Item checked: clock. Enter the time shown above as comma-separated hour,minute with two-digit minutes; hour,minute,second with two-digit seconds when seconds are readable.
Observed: 3,01
